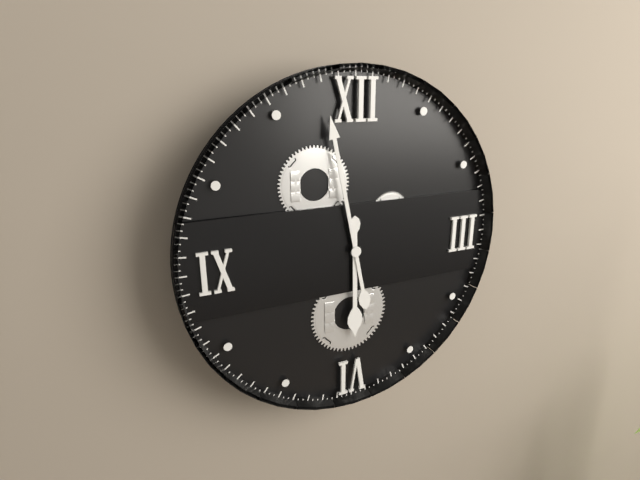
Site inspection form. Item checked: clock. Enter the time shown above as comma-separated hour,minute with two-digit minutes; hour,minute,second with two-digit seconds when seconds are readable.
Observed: 5,58
